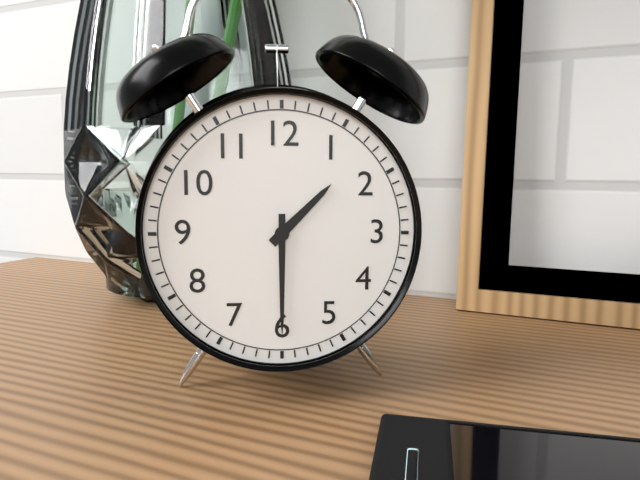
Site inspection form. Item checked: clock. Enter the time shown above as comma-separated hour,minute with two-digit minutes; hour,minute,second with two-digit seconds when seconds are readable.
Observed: 1,30
